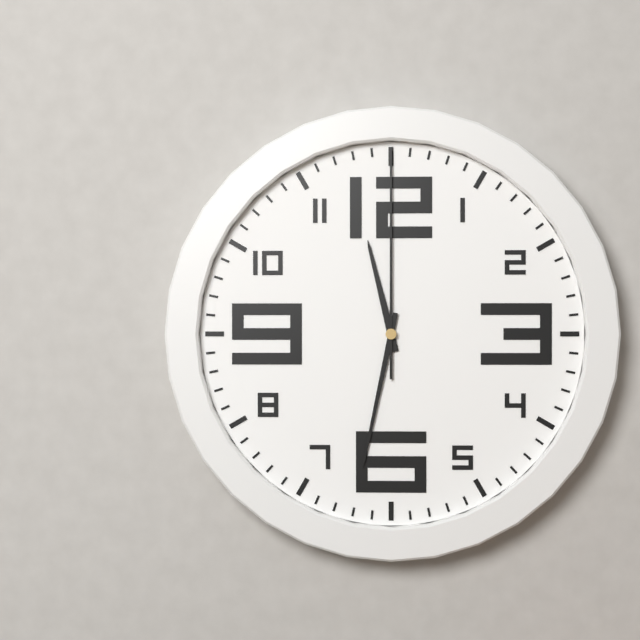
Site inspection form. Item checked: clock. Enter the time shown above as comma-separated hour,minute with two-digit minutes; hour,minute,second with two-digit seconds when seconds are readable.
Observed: 11,32,00
